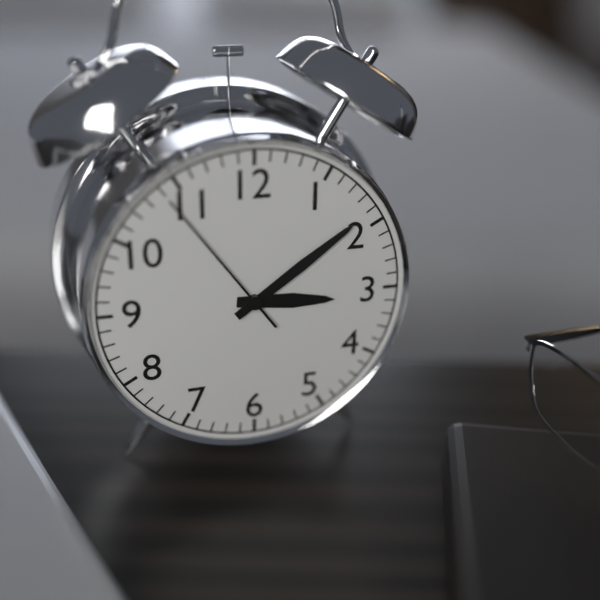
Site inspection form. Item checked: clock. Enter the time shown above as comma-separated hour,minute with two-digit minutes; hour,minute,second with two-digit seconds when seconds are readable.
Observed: 3,09,54
